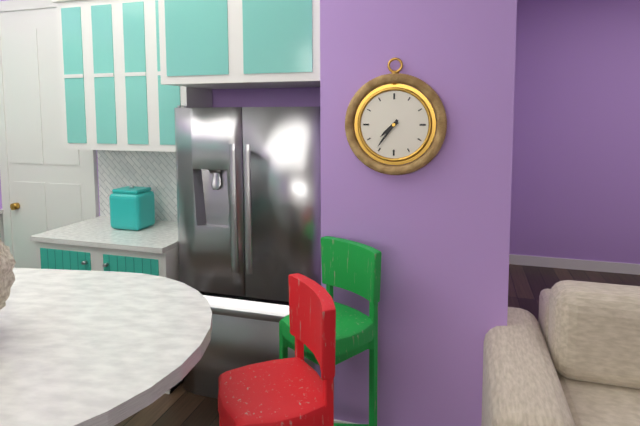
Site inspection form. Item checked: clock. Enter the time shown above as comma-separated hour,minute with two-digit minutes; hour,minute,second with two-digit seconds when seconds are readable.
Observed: 7,36
